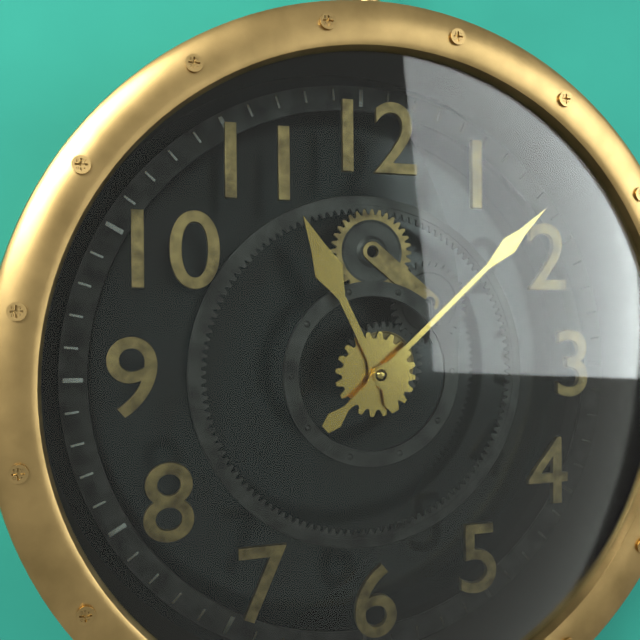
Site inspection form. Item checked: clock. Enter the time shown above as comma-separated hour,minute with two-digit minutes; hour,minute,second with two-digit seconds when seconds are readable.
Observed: 11,08
